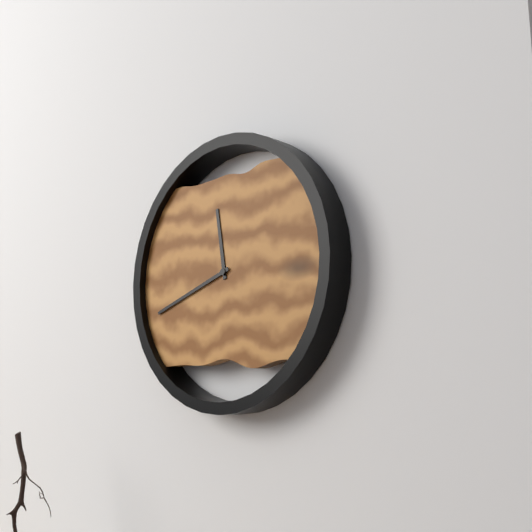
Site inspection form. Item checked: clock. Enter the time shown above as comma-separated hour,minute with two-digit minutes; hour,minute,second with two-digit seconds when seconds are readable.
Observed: 11,42
